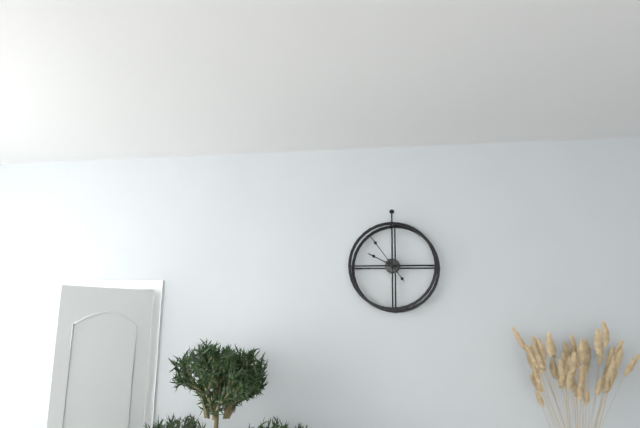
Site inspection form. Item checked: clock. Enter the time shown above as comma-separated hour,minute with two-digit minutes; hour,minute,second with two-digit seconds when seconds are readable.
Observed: 9,54
